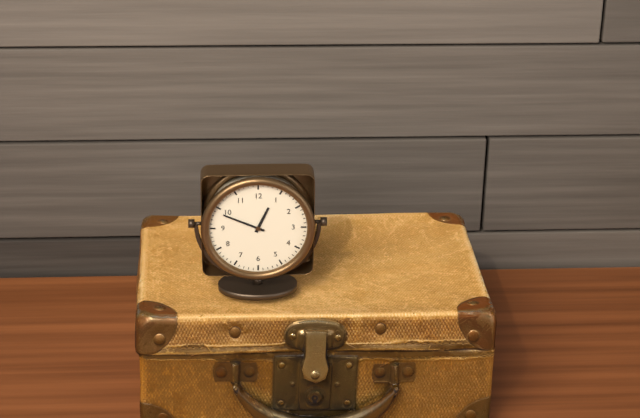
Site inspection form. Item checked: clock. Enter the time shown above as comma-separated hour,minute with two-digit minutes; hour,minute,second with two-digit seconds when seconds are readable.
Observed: 12,49
